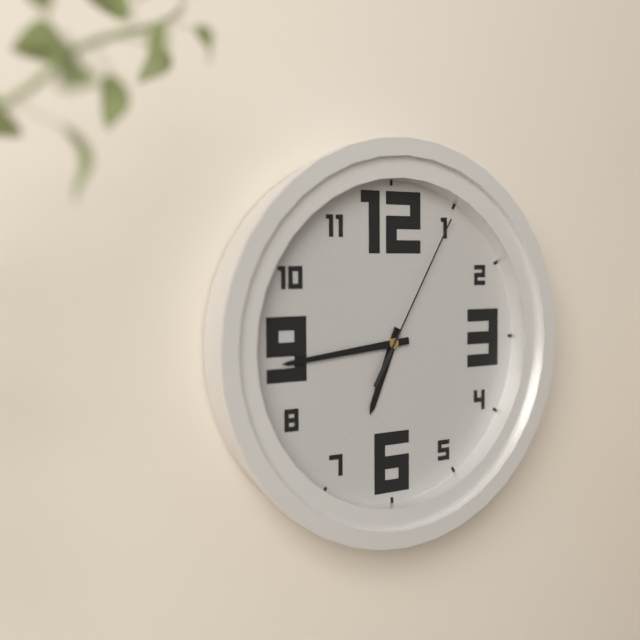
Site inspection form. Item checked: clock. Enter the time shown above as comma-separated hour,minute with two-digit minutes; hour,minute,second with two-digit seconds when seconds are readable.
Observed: 6,44,05
